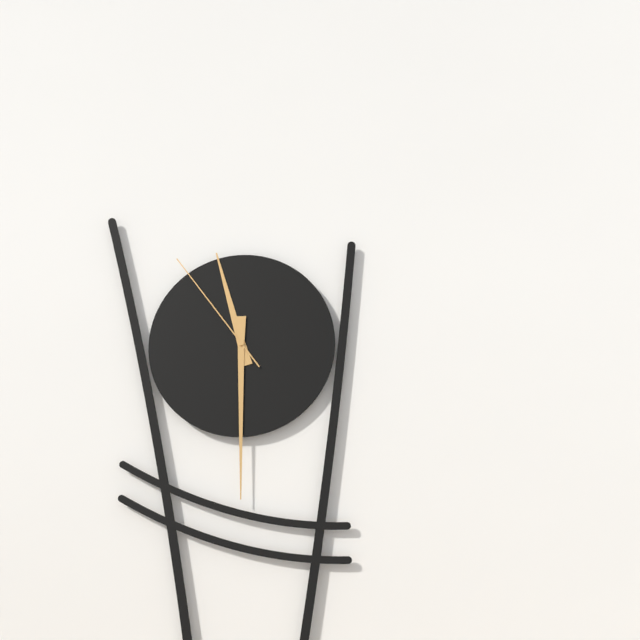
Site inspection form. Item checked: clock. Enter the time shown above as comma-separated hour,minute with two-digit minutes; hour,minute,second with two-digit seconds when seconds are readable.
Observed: 11,30,54
